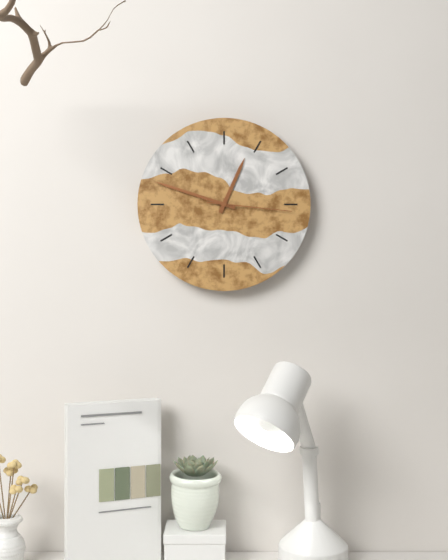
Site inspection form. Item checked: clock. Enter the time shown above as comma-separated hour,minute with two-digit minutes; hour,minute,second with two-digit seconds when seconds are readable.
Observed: 12,48,16
